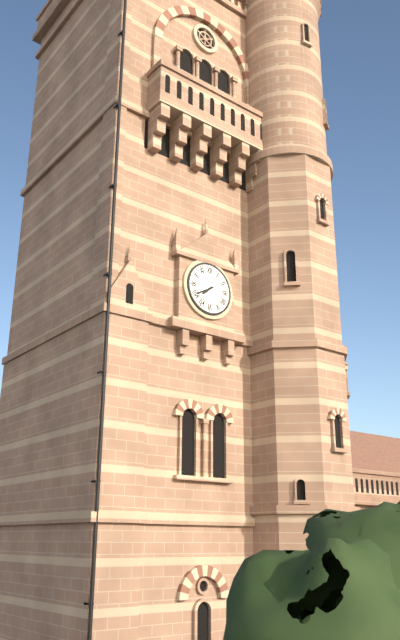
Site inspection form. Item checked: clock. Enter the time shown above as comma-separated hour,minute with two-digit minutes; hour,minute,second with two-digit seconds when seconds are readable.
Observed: 7,40
